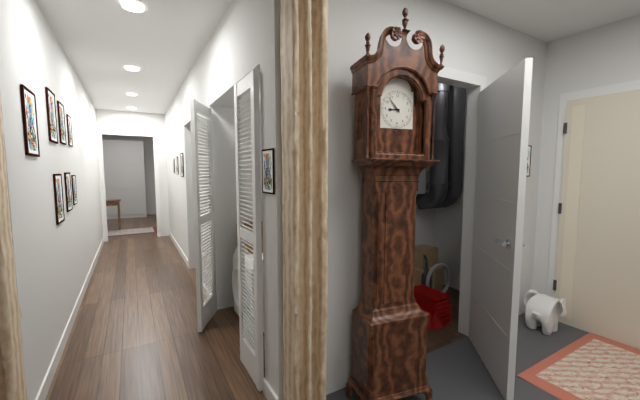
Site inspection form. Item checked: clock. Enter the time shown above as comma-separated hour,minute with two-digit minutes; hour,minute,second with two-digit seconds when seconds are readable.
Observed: 8,53
